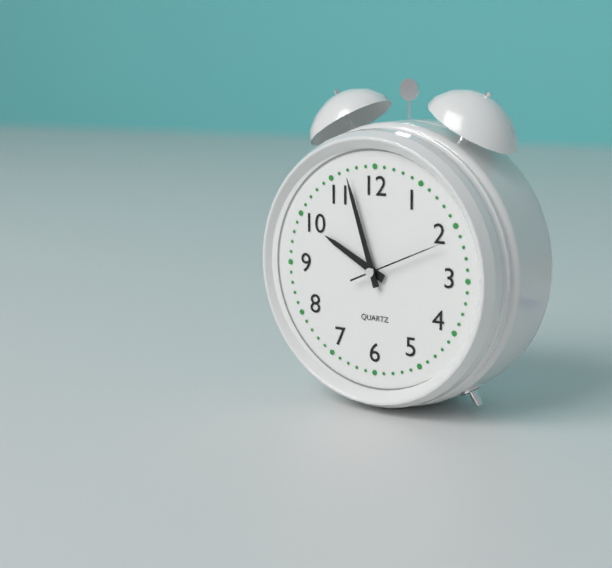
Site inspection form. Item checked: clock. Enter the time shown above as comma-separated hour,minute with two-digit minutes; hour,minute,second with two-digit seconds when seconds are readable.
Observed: 9,57,11
